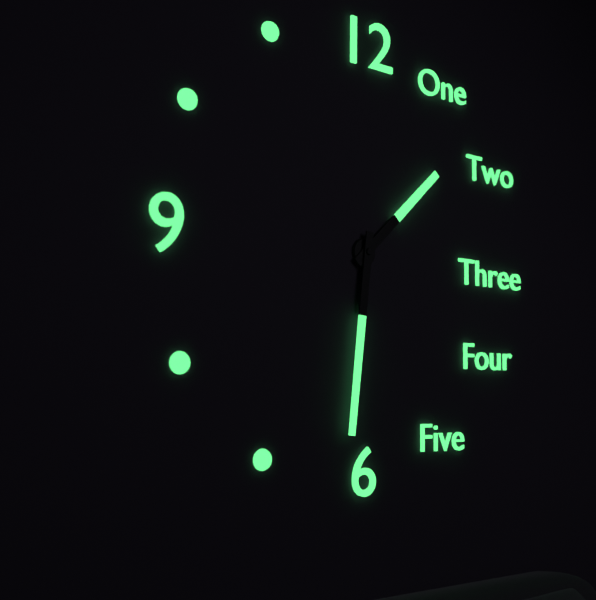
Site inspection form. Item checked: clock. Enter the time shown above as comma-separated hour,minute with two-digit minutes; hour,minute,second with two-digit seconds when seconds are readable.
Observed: 1,31
